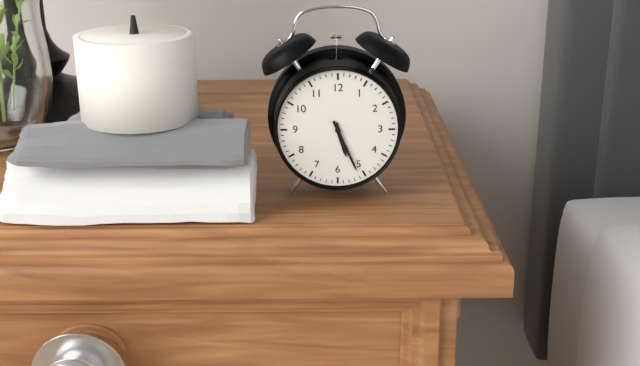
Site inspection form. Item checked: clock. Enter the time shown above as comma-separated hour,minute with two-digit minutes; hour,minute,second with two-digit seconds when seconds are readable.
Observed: 5,26
